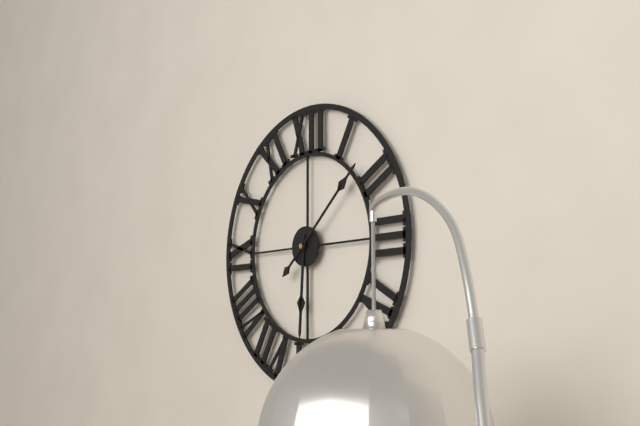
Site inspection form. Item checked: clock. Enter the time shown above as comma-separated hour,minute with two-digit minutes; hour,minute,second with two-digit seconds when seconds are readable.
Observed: 6,08
